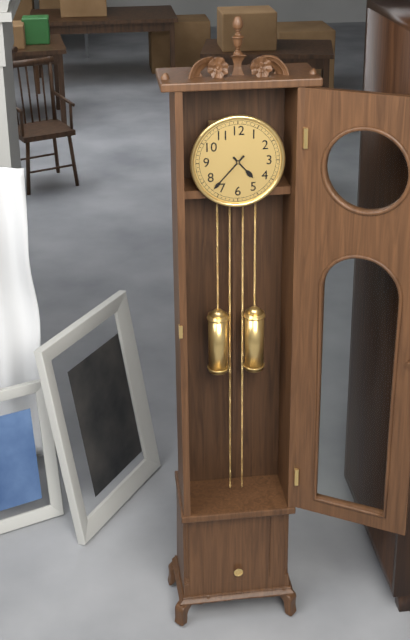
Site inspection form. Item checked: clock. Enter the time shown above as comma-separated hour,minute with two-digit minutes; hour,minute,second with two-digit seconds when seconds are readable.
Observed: 4,37
